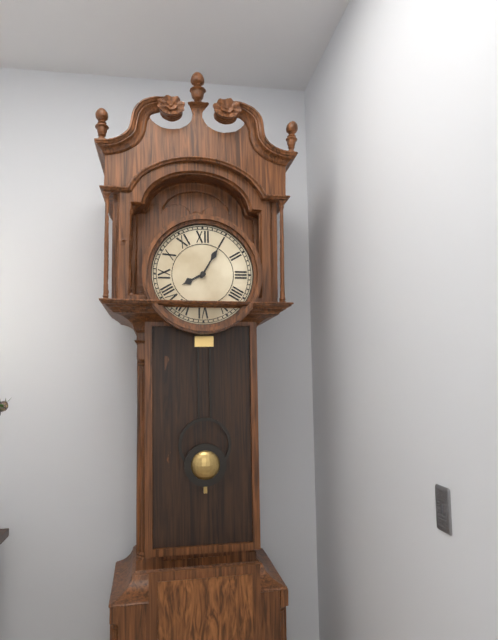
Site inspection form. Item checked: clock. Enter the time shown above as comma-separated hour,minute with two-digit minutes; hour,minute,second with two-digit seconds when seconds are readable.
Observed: 8,05
